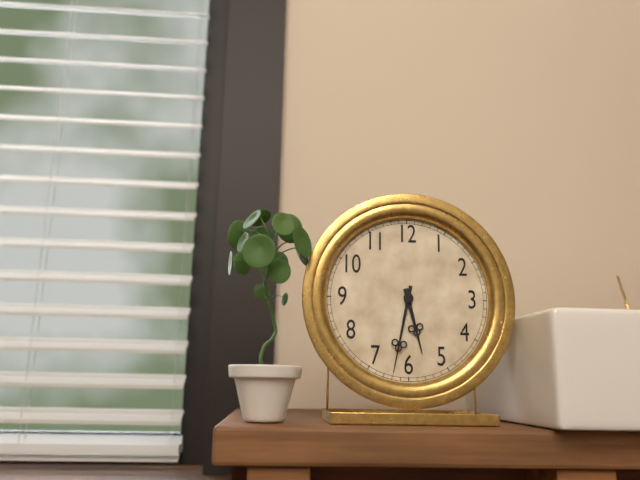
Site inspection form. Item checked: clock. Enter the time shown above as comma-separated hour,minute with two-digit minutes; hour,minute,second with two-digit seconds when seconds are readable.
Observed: 5,32
